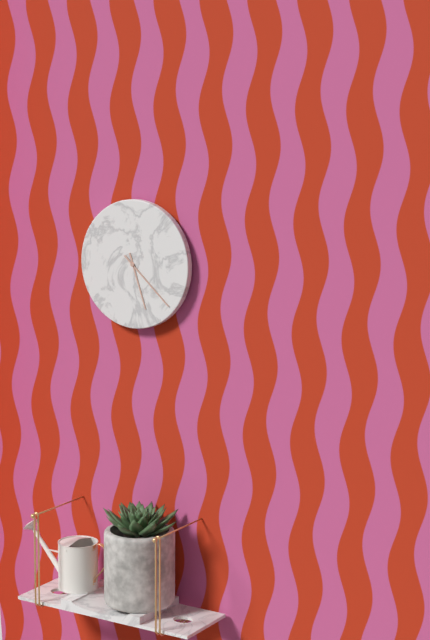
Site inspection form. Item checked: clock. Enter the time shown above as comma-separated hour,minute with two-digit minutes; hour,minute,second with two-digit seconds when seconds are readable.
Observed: 5,22
